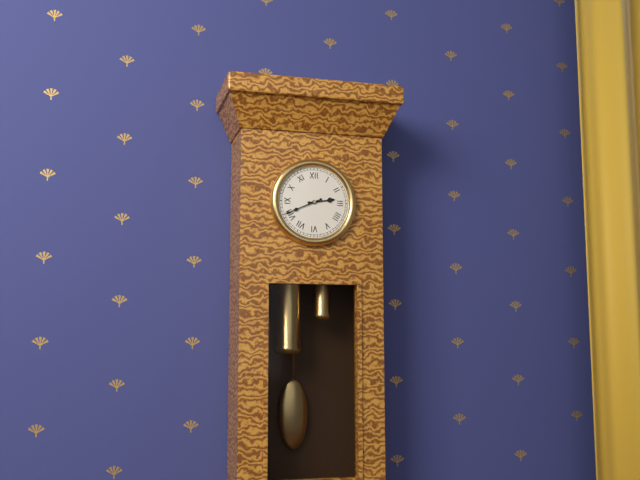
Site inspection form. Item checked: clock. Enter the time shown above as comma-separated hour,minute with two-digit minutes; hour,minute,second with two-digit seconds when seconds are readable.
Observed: 2,41
